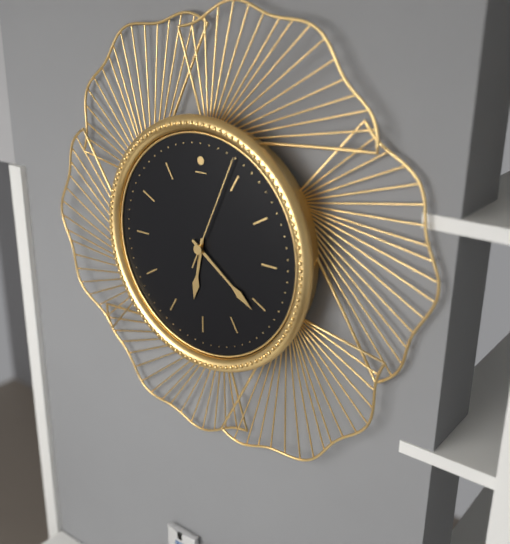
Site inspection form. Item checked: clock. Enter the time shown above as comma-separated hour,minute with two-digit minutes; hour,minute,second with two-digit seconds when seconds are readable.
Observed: 6,21,04
